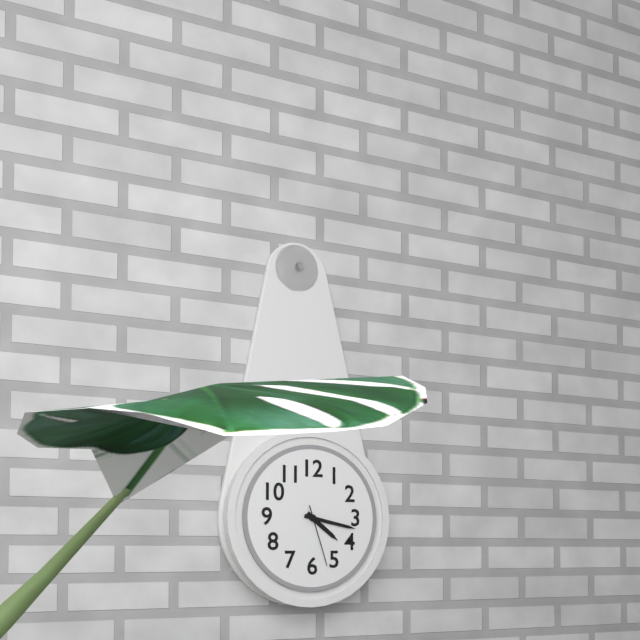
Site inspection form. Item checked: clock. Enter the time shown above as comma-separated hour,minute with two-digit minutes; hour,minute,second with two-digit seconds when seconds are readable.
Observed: 4,17,27
